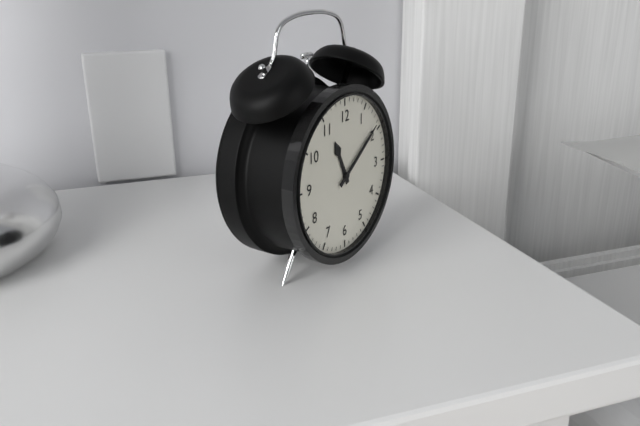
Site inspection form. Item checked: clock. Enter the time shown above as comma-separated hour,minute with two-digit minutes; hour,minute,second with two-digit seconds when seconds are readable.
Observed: 11,09
